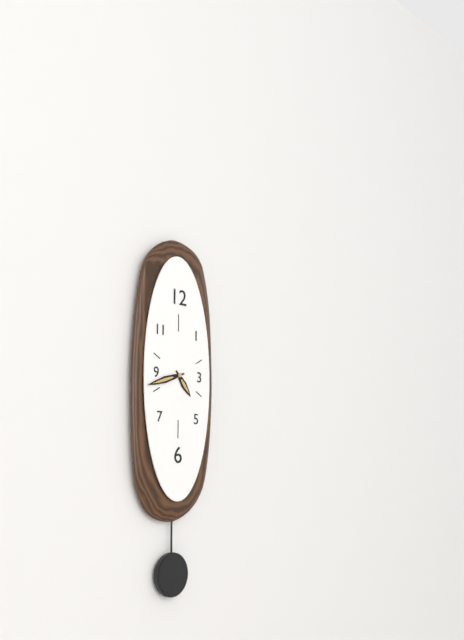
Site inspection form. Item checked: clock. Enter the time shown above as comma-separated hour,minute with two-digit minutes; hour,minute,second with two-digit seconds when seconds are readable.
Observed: 4,42
